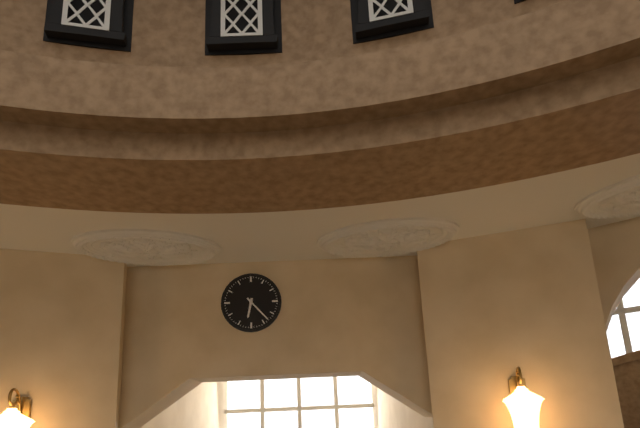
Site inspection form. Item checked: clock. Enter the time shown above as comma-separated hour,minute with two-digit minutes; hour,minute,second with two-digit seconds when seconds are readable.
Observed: 6,23
